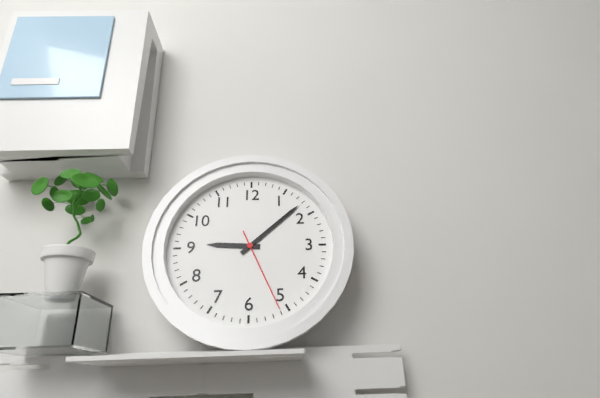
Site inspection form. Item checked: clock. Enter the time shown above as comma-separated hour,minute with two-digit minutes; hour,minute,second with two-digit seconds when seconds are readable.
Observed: 9,08,26
